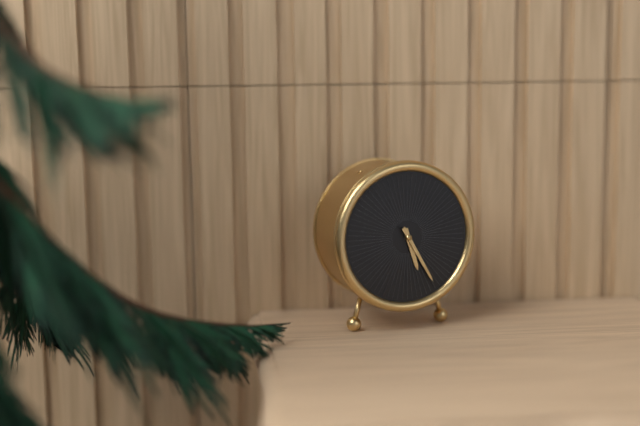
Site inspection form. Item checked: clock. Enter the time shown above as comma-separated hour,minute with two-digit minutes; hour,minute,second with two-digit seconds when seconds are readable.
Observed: 5,25
